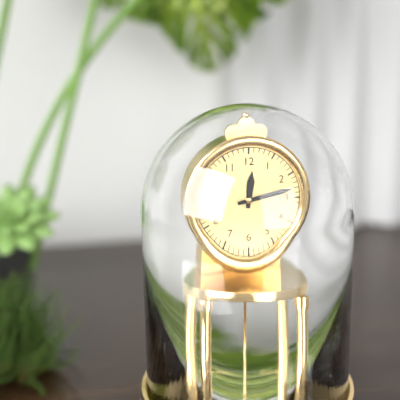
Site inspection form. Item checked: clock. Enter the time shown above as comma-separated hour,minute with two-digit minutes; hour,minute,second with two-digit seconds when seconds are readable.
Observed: 12,13
